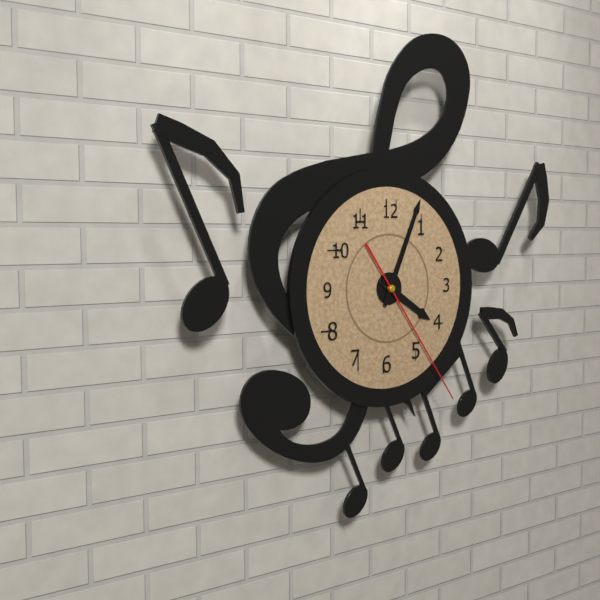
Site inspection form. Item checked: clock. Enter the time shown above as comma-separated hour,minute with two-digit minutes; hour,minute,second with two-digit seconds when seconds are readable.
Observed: 4,04,24
